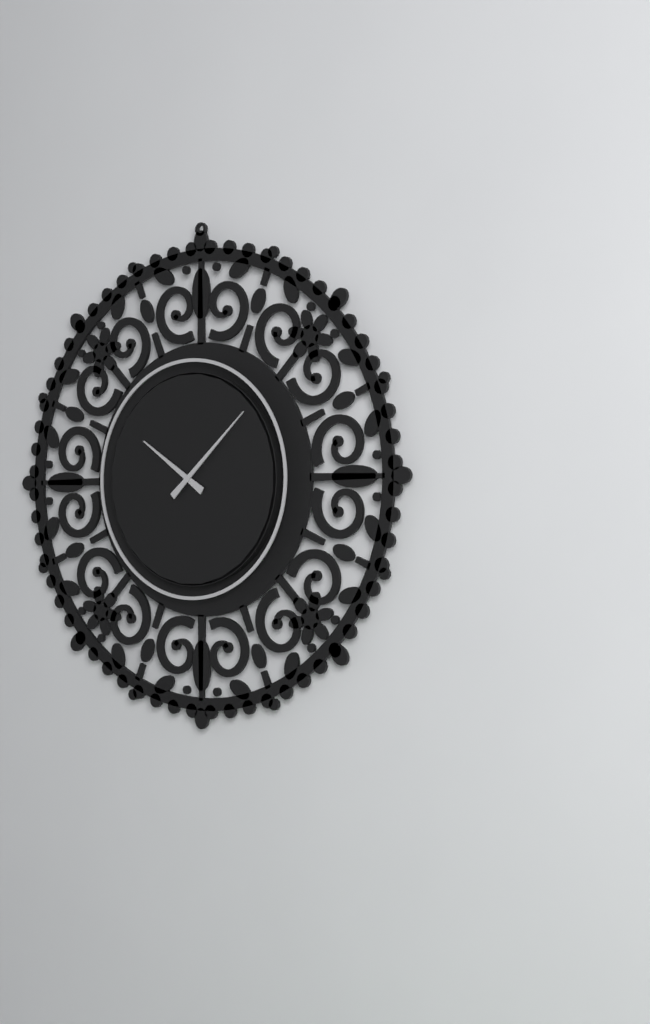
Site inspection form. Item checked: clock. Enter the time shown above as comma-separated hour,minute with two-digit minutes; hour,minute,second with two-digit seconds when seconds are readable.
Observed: 10,08
